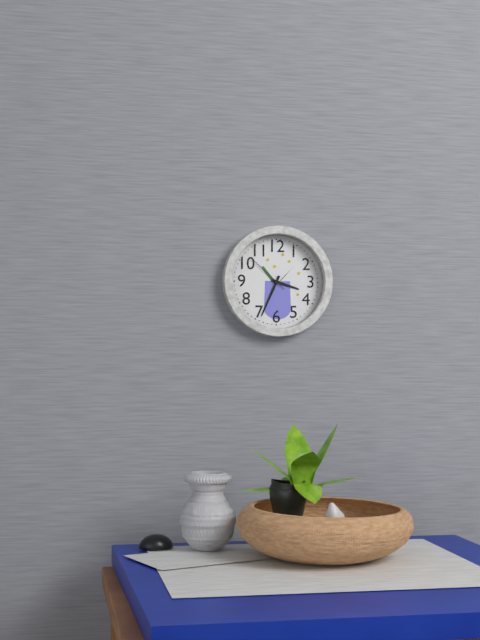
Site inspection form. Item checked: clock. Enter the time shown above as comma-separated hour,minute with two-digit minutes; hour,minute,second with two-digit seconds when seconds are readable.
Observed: 3,34
